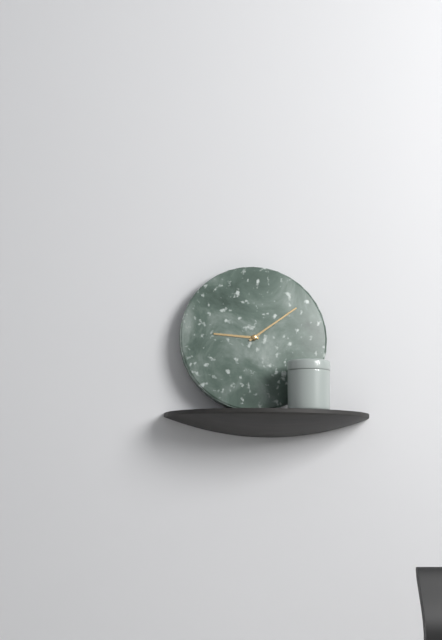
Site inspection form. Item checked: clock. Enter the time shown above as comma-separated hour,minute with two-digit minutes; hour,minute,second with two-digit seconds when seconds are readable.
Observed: 9,09
